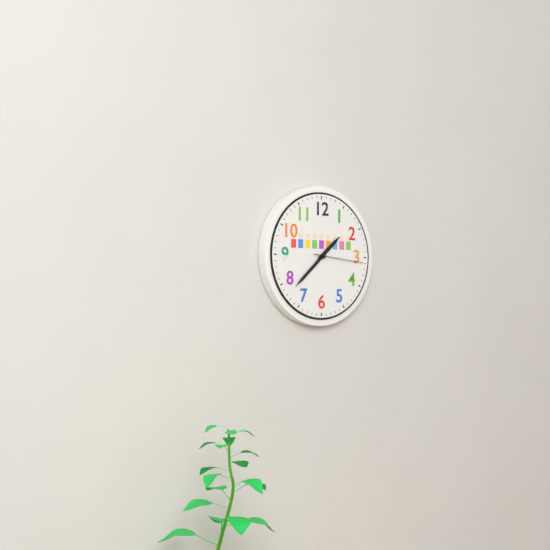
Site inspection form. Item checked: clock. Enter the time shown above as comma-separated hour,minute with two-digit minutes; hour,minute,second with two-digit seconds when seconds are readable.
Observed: 1,38,16
